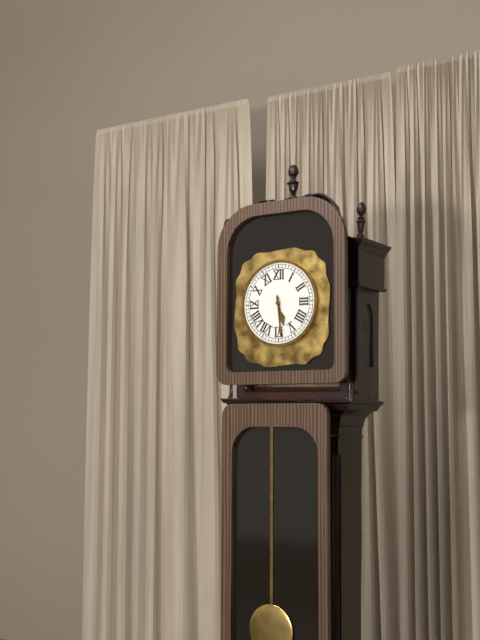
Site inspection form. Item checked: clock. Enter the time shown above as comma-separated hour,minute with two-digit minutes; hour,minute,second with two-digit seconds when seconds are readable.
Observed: 5,29
